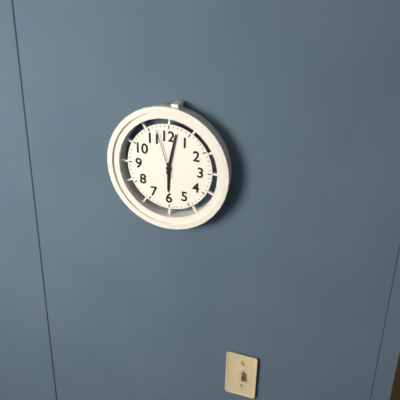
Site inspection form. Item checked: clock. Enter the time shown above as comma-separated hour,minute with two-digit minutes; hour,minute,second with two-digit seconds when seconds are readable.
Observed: 6,02,57
